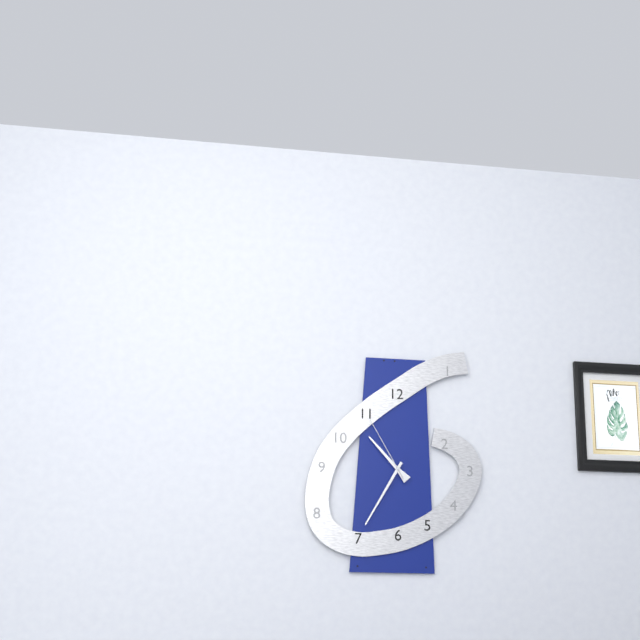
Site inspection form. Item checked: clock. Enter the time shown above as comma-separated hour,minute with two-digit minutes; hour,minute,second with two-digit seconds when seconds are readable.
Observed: 10,35,55
